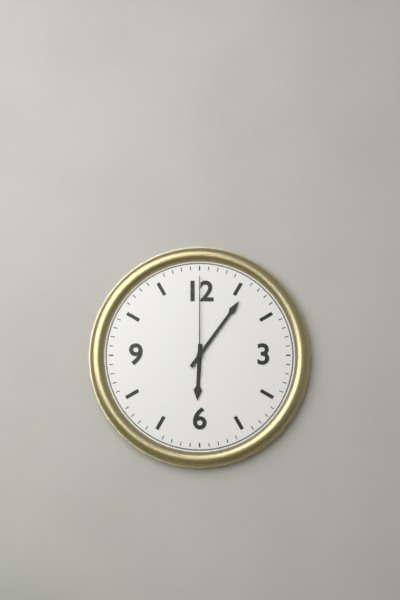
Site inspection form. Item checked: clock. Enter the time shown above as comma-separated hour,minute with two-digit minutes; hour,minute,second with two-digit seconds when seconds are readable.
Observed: 6,06,00
